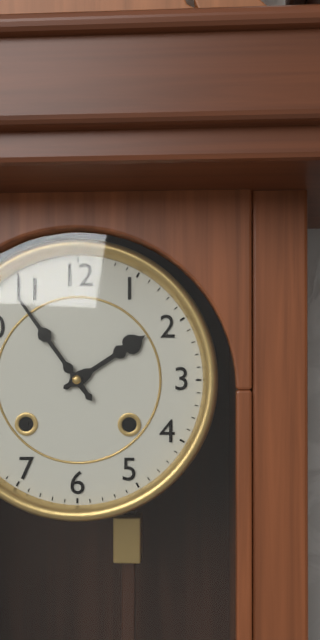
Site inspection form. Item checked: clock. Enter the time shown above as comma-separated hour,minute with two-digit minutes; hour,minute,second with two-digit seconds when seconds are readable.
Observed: 1,54
